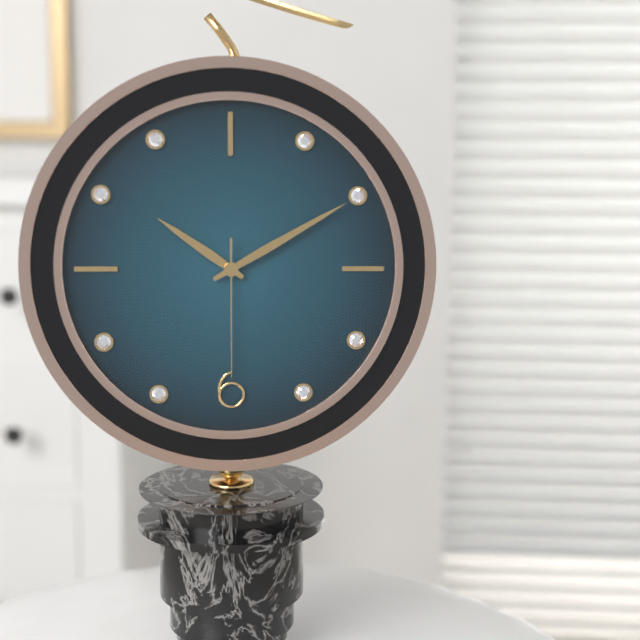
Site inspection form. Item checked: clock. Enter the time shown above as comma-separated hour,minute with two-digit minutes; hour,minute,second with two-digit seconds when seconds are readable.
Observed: 10,10,30
